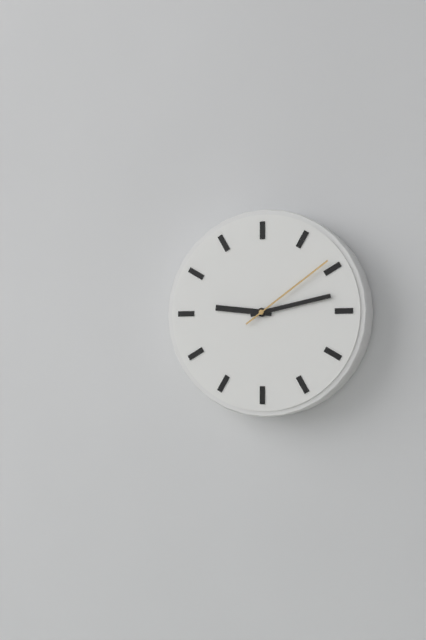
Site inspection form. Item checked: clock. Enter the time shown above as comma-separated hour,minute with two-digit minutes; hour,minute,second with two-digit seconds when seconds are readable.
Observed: 9,13,09
